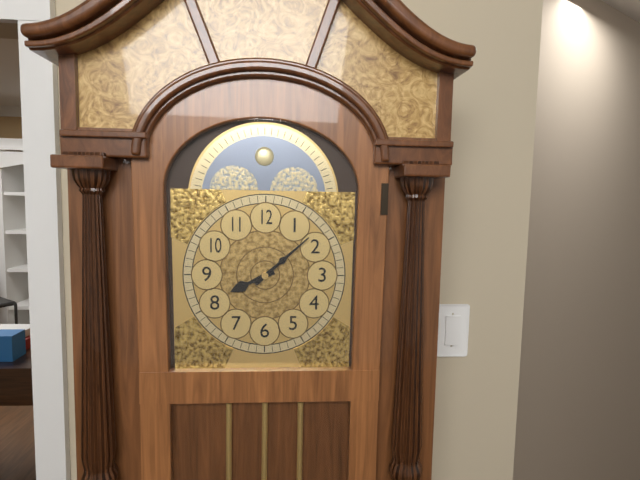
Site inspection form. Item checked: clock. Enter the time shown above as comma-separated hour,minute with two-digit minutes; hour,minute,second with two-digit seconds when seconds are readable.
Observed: 8,08
